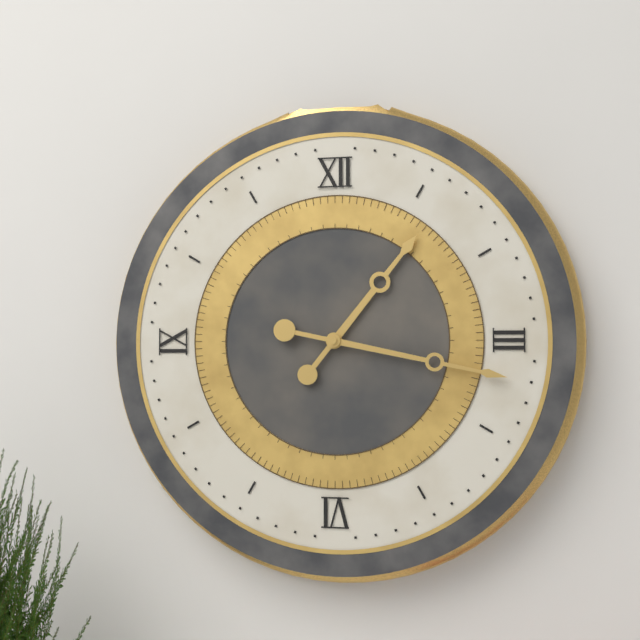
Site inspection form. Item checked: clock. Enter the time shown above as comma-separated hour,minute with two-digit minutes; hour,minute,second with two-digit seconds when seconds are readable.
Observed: 1,17
